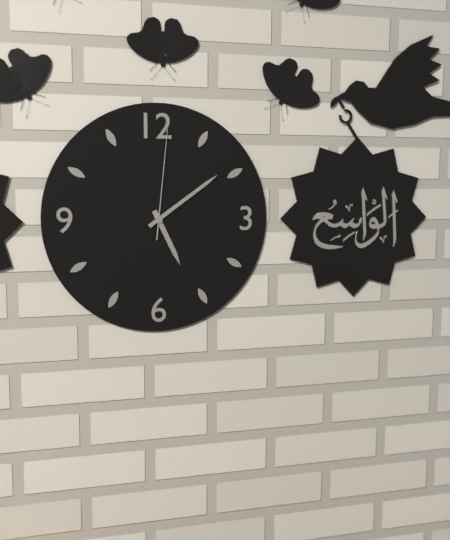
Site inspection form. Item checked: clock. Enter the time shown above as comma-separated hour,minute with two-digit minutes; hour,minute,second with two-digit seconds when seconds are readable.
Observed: 5,09,01
